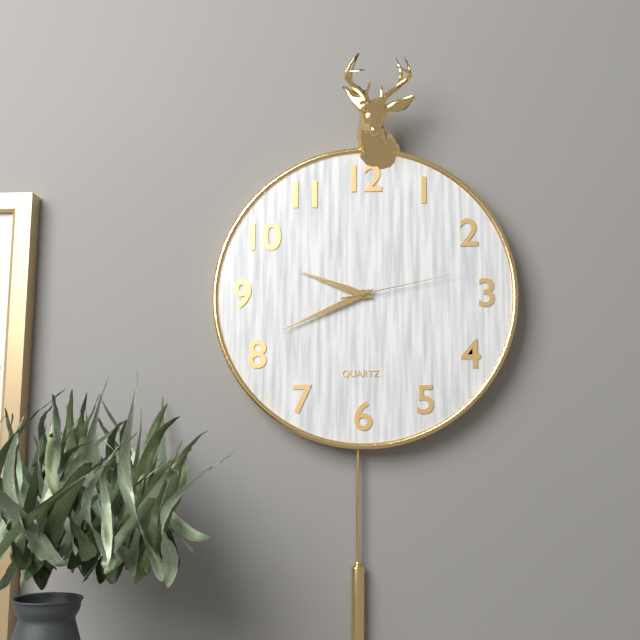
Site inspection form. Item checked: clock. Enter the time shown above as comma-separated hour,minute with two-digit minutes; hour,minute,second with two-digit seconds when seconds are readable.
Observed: 9,41,13
